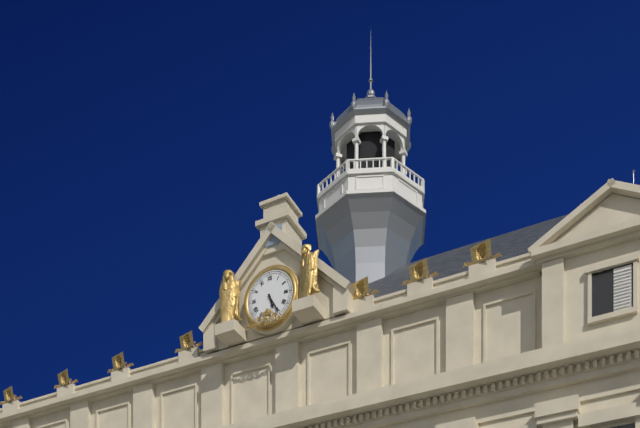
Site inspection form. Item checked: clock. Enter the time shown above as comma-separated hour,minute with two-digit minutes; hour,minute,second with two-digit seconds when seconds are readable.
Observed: 5,25
